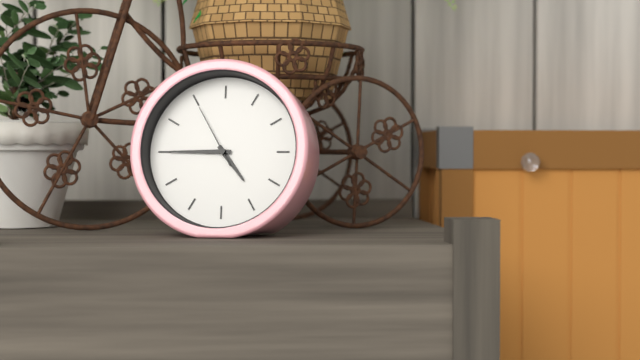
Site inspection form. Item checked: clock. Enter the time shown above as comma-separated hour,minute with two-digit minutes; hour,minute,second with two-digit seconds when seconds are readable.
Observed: 4,45,55
